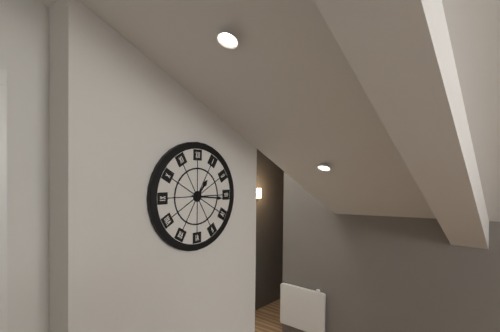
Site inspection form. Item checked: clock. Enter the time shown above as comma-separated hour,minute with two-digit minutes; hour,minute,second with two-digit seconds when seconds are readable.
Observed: 1,16
